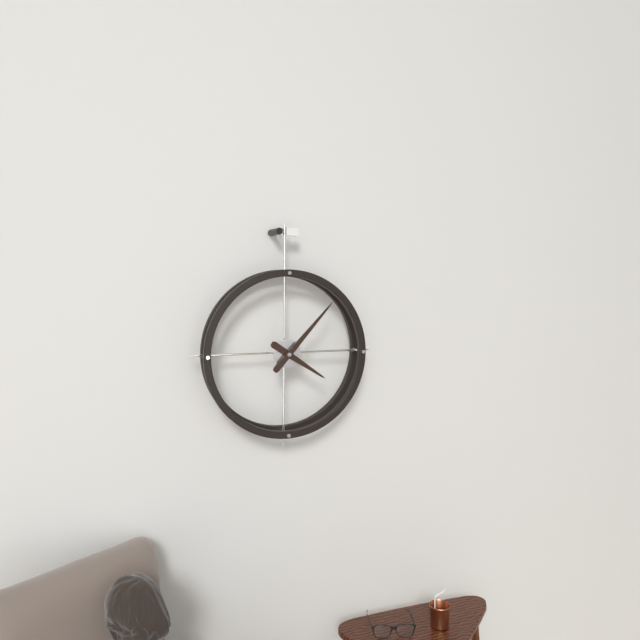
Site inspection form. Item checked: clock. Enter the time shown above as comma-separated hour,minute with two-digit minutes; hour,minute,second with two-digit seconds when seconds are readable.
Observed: 4,07
